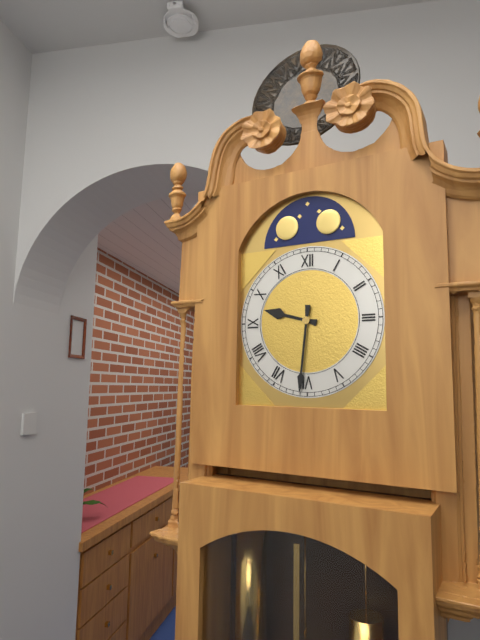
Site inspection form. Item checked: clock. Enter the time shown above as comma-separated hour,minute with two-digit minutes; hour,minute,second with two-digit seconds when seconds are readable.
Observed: 9,31
